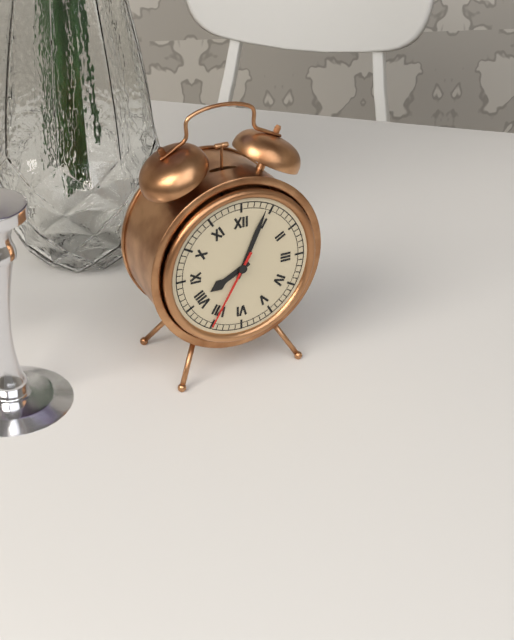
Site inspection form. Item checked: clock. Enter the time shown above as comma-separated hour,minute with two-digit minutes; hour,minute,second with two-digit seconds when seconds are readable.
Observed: 8,04,35
